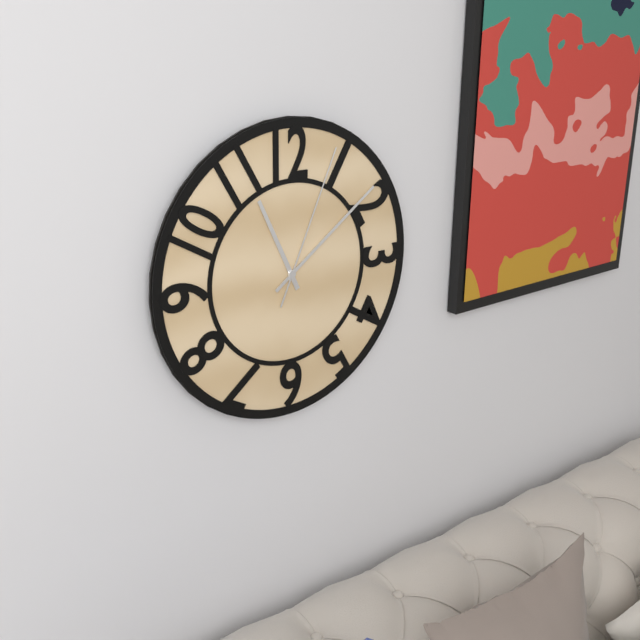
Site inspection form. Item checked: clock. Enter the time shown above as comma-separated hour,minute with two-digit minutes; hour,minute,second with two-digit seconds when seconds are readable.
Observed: 11,09,04
